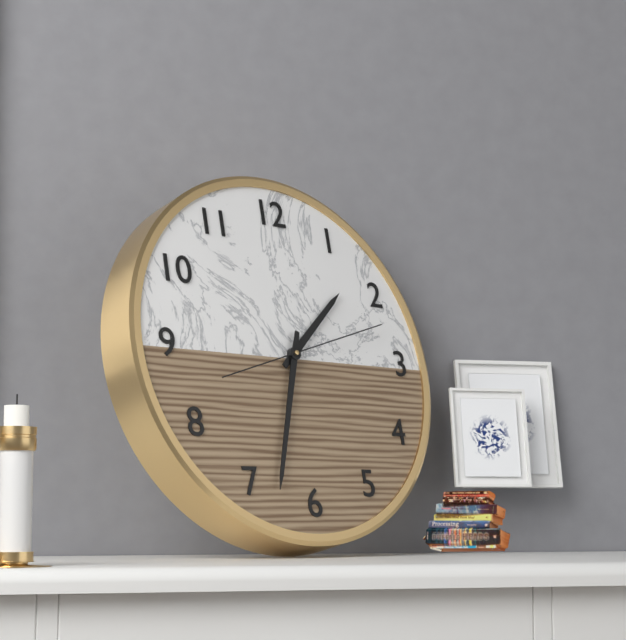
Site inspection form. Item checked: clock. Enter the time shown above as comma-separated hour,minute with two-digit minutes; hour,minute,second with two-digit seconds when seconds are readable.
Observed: 1,33,12
